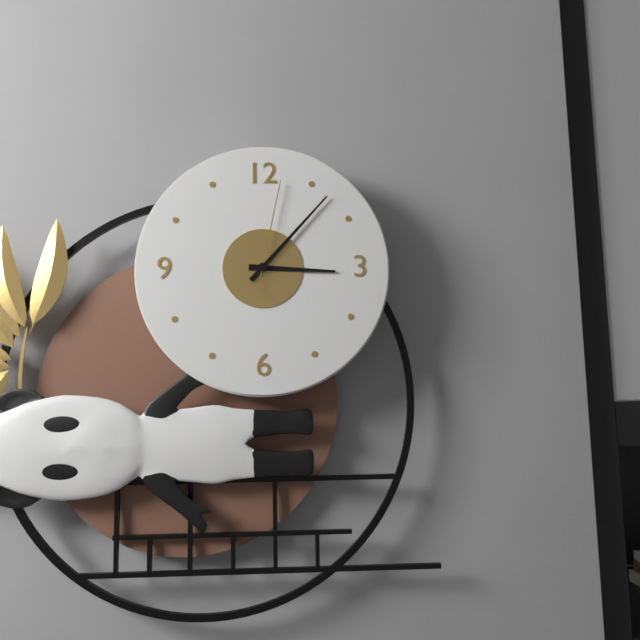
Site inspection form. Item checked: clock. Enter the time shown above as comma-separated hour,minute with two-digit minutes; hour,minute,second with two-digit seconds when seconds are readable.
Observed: 3,07,02
